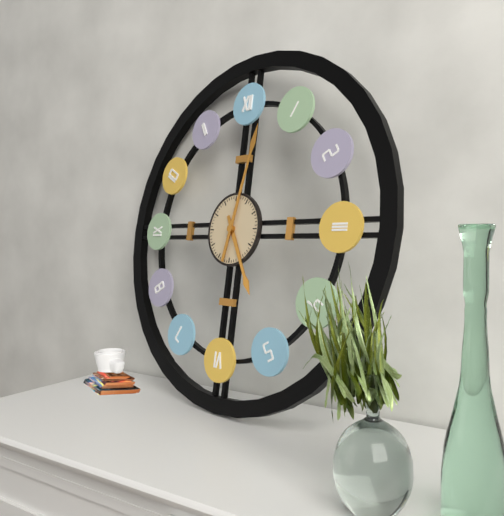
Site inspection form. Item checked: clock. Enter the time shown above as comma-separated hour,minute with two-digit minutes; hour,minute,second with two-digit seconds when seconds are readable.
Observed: 5,02
